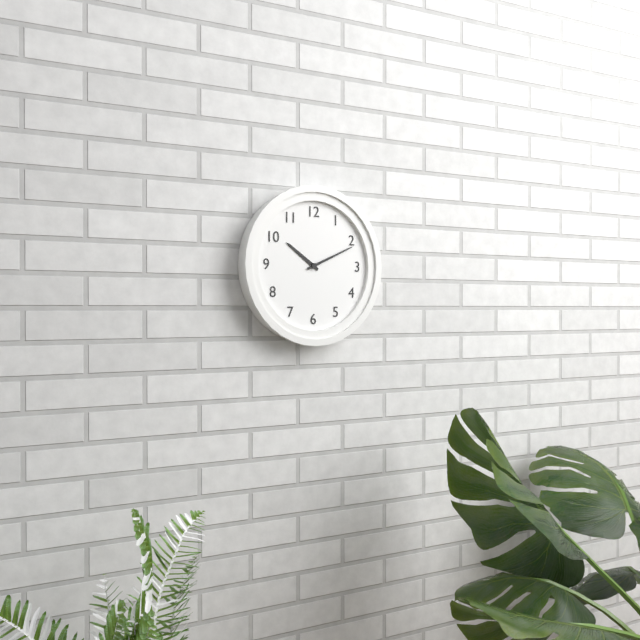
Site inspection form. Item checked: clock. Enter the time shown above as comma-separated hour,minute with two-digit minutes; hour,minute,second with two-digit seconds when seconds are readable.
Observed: 10,11
